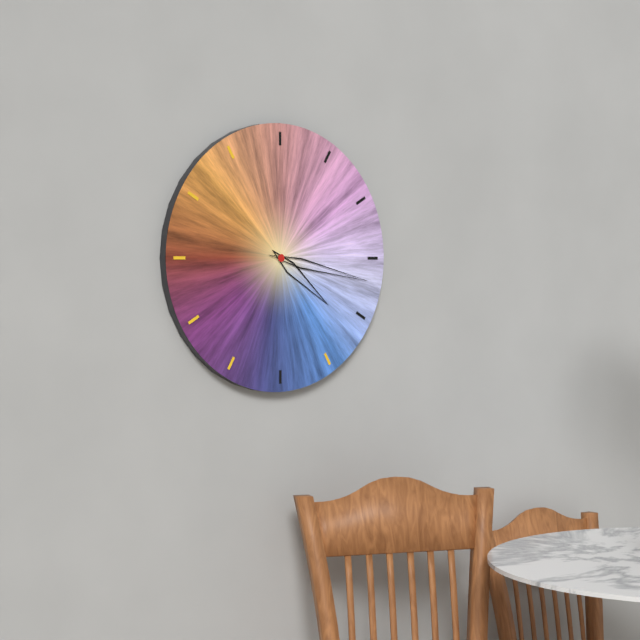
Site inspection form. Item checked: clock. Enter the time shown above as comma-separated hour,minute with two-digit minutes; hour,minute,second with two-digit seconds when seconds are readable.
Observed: 4,17
